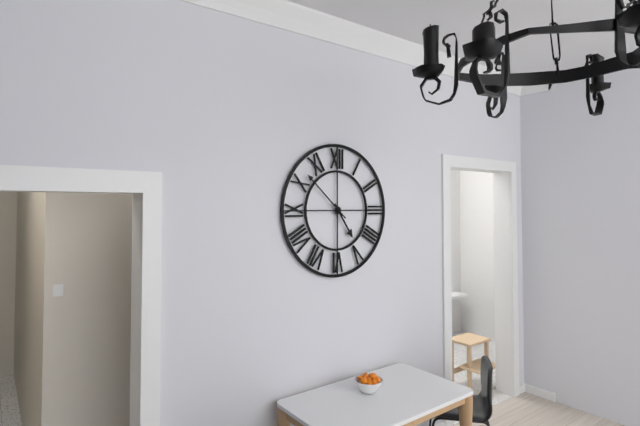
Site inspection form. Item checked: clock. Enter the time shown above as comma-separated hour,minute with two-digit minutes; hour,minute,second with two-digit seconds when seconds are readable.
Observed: 4,52
